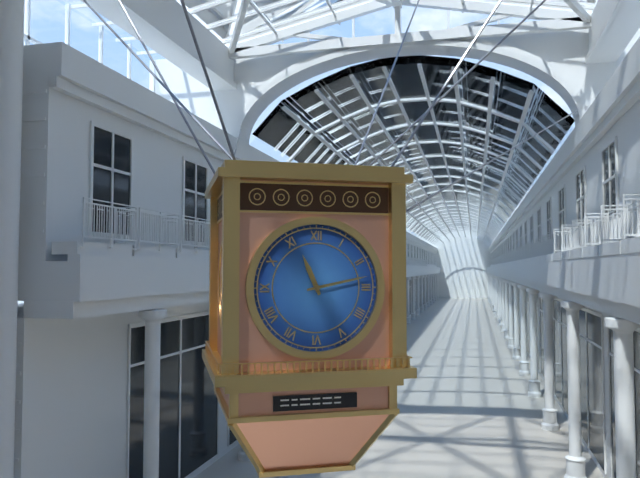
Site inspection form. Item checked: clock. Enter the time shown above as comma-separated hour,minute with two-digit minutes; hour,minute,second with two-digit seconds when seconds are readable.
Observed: 11,13
